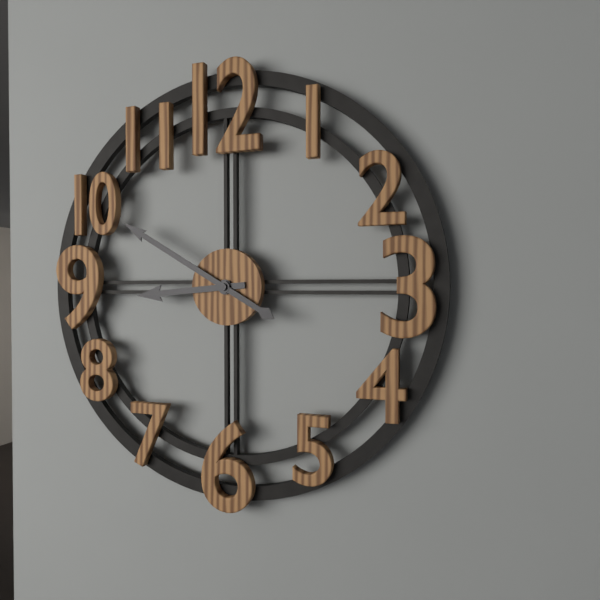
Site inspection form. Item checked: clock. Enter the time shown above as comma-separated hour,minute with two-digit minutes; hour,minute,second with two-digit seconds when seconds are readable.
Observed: 8,50
